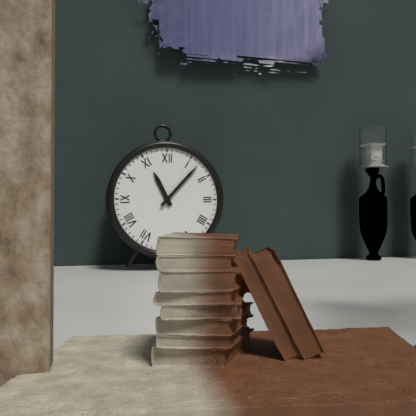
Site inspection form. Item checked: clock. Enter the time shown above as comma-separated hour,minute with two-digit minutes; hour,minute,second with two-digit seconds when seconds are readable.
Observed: 11,07
